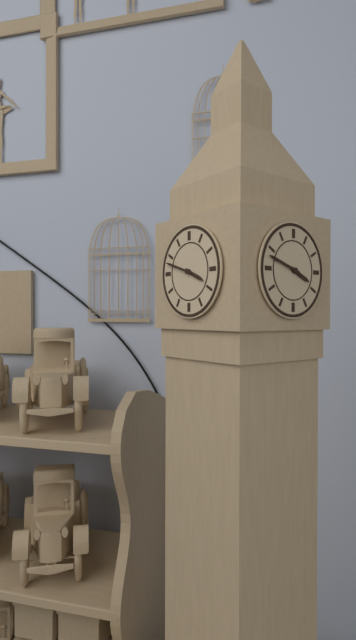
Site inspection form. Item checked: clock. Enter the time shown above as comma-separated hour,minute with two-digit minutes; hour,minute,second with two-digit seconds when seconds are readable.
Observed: 3,48
